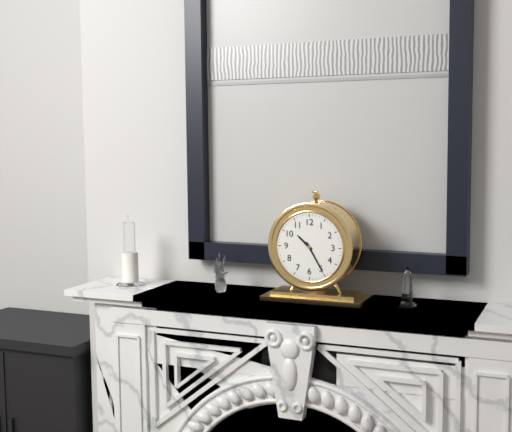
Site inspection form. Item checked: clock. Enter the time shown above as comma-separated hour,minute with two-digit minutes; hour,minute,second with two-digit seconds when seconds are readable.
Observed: 10,25
